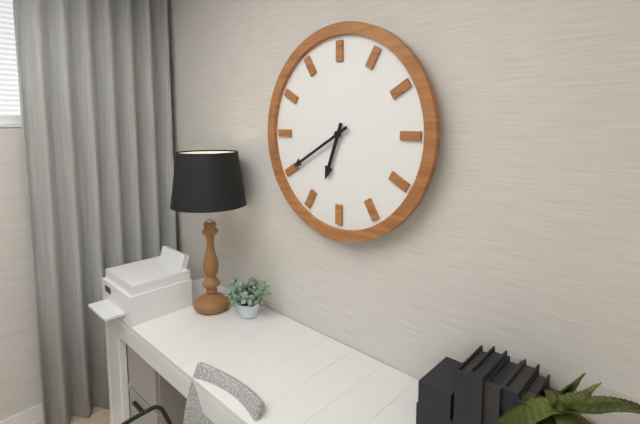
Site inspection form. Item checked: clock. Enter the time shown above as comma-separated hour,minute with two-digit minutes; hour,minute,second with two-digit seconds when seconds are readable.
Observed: 6,40
